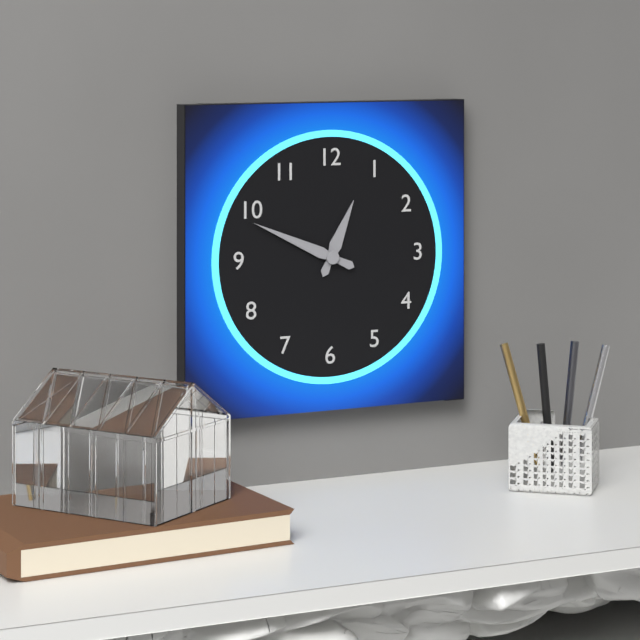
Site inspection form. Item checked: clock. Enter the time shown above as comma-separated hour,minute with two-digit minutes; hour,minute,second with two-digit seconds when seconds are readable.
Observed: 12,49
